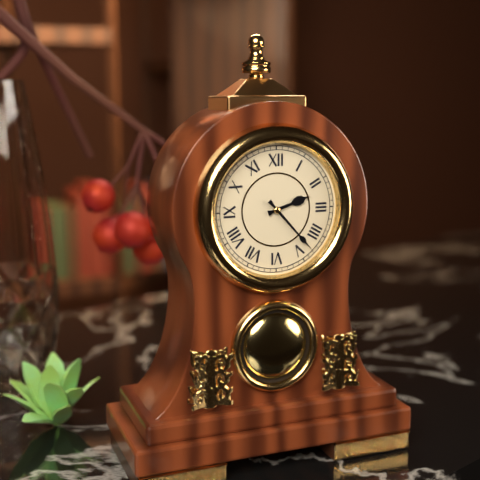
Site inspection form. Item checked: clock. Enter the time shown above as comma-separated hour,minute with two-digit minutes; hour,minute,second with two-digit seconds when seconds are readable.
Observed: 2,23
